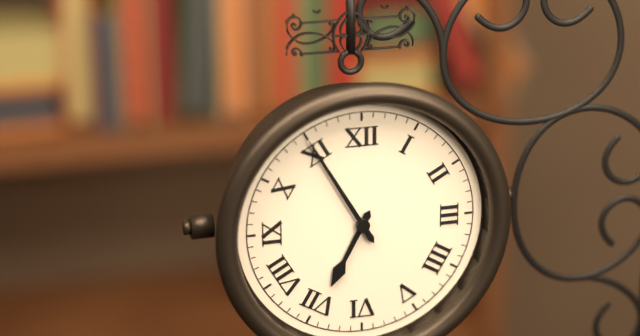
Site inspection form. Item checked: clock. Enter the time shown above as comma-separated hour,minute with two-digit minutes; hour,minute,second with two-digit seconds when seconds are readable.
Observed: 6,55
